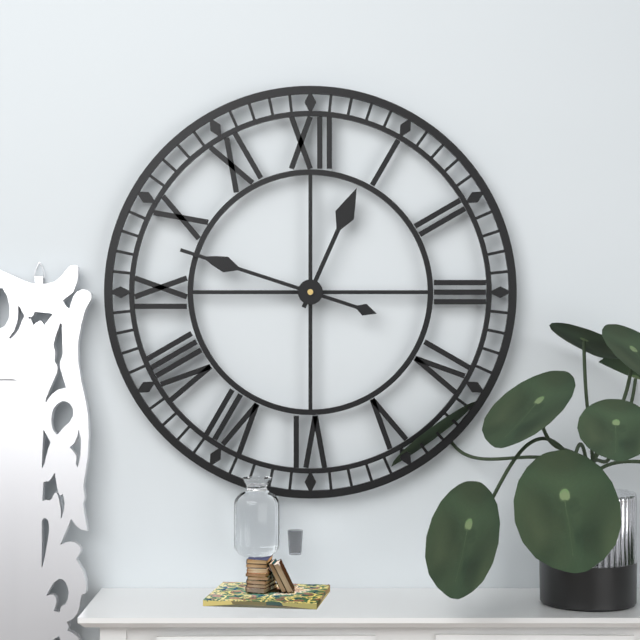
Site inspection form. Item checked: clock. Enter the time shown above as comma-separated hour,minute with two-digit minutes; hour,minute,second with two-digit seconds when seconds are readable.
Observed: 12,48
